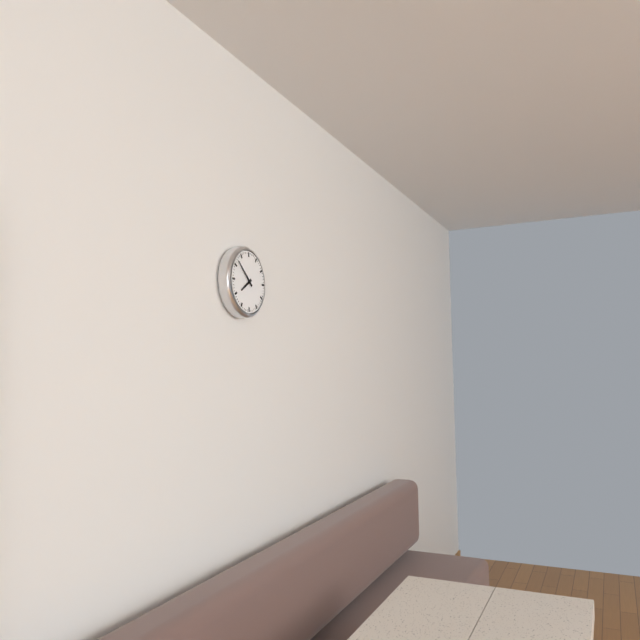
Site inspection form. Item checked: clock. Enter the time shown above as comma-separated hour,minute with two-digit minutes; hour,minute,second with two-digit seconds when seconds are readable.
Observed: 7,52
